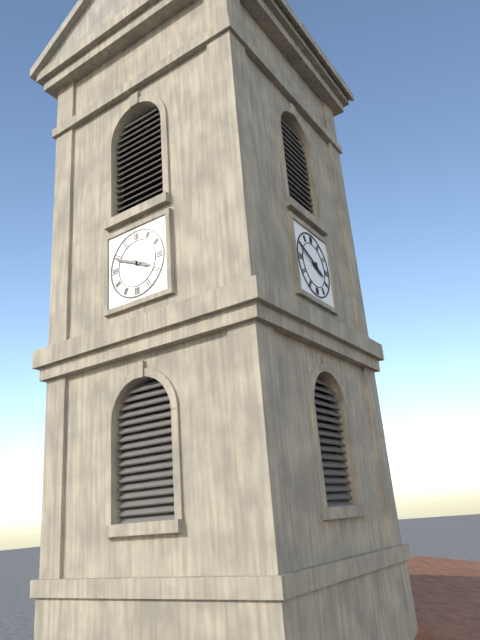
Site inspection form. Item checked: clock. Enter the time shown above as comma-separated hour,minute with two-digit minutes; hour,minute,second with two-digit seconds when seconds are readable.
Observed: 3,49
